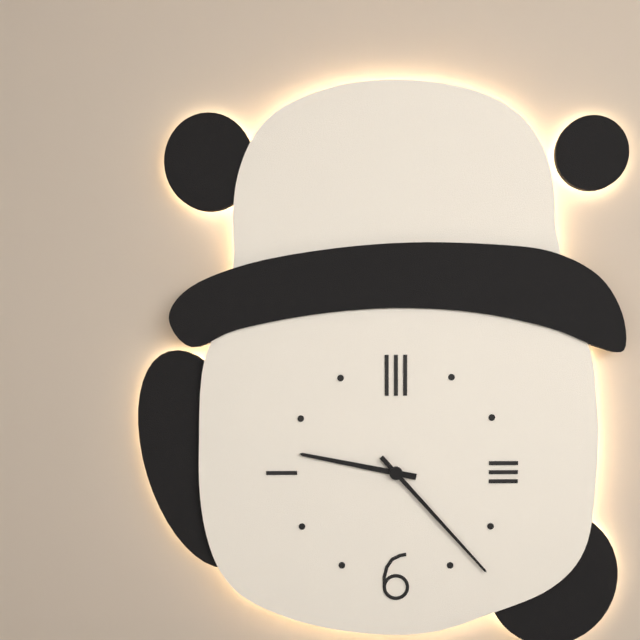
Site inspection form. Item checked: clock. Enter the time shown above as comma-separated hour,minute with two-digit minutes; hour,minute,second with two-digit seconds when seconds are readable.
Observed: 9,23
